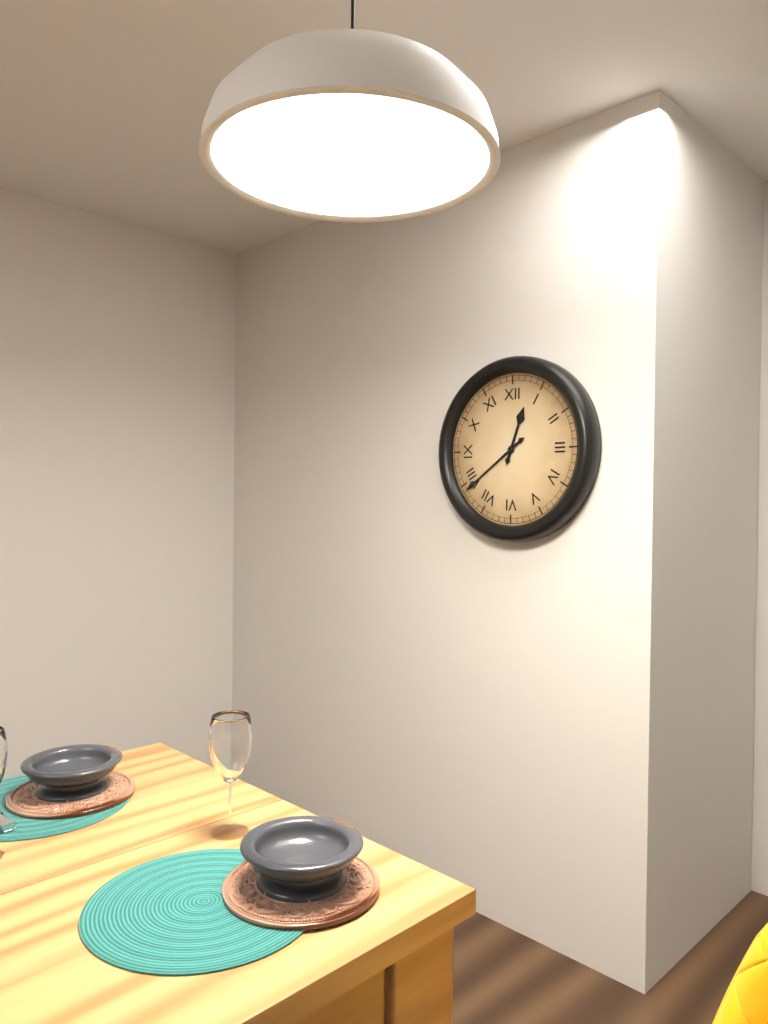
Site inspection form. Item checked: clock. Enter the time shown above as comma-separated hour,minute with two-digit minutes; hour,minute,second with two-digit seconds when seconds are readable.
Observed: 12,39
